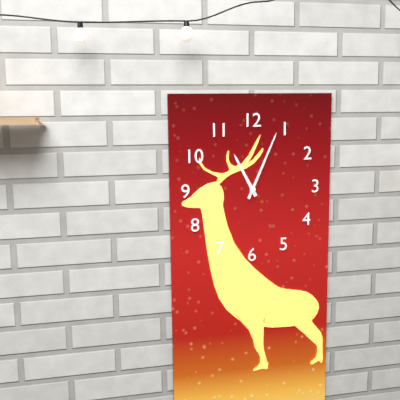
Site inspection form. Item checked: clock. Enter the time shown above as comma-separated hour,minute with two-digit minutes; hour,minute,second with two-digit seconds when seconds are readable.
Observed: 11,04
